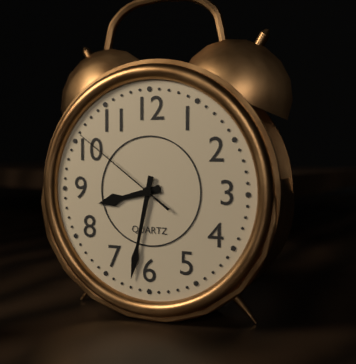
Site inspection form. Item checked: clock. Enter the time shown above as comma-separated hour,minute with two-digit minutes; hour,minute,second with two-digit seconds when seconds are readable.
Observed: 8,32,51
